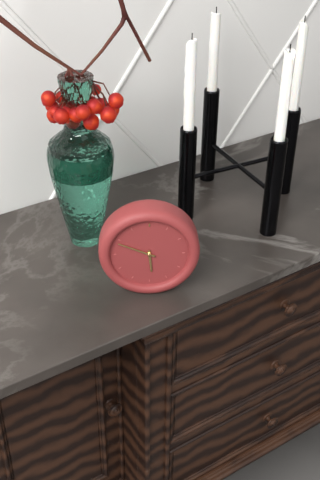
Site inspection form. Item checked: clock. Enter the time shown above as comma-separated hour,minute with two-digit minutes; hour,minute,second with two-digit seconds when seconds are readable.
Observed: 5,49
